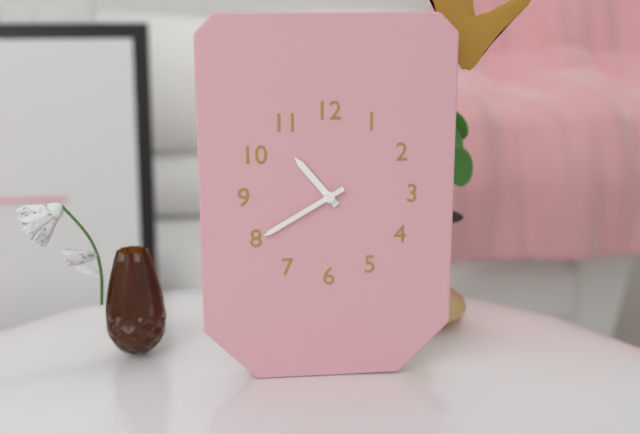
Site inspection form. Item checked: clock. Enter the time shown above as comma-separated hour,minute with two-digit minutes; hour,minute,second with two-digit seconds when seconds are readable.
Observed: 10,40
